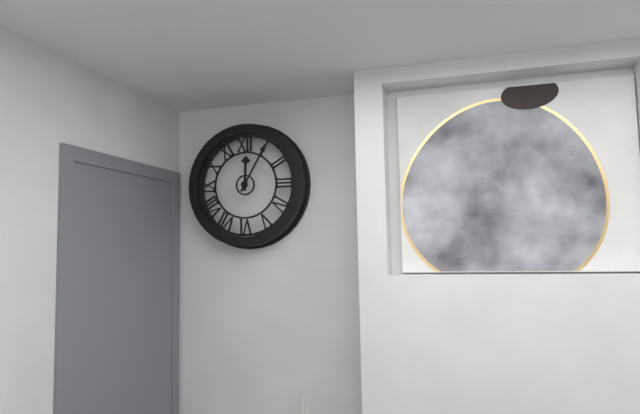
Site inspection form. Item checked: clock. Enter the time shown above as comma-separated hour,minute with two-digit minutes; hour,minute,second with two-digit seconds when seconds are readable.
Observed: 12,05
